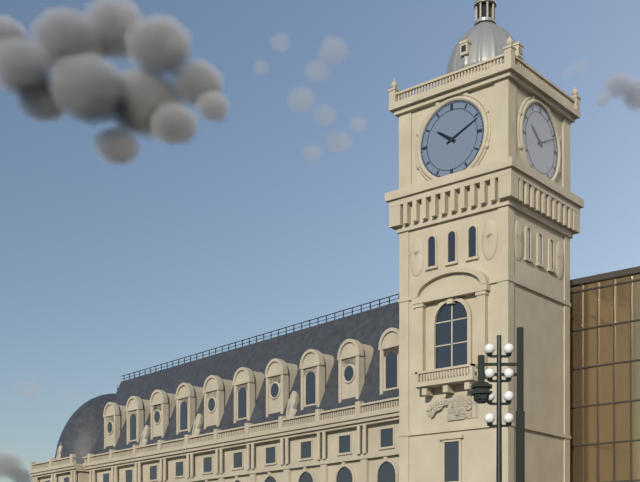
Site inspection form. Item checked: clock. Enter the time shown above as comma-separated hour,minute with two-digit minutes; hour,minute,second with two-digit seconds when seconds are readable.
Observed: 10,11
